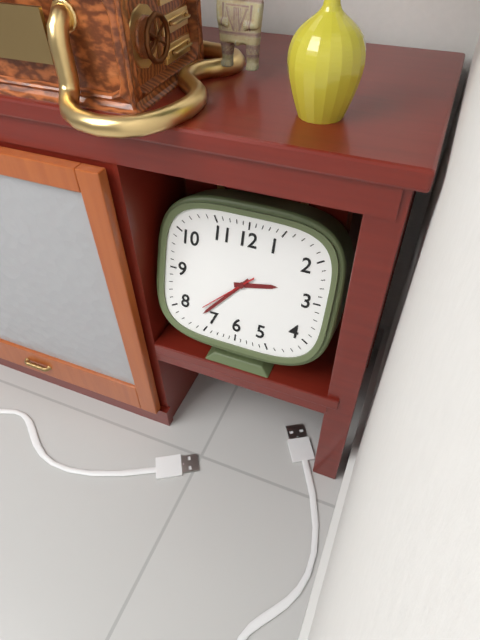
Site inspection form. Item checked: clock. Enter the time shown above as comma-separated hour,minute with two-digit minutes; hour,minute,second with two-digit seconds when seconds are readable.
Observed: 2,37,38
